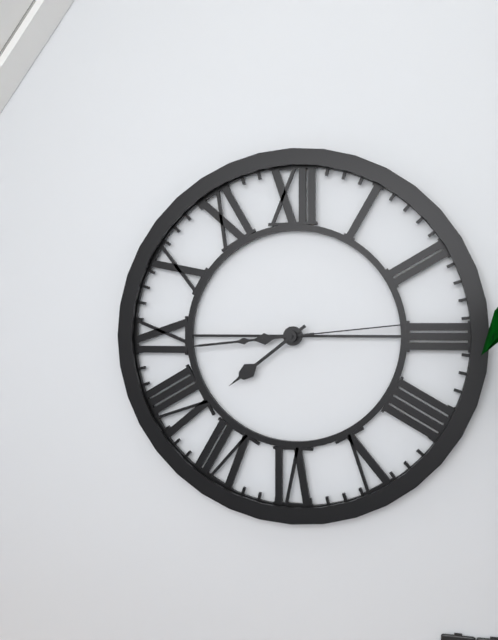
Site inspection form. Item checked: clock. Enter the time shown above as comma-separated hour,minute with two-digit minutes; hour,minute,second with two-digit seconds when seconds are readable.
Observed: 7,44,14
